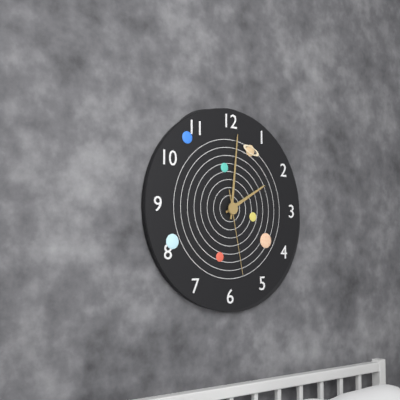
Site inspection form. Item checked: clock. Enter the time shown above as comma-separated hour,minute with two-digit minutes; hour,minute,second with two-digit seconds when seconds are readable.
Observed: 2,01,28
